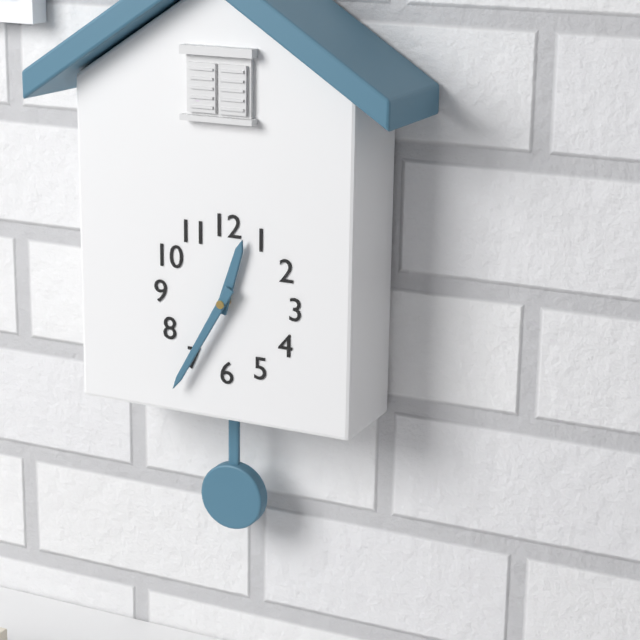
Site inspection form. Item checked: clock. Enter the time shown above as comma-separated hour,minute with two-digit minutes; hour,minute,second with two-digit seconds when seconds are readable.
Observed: 12,35
